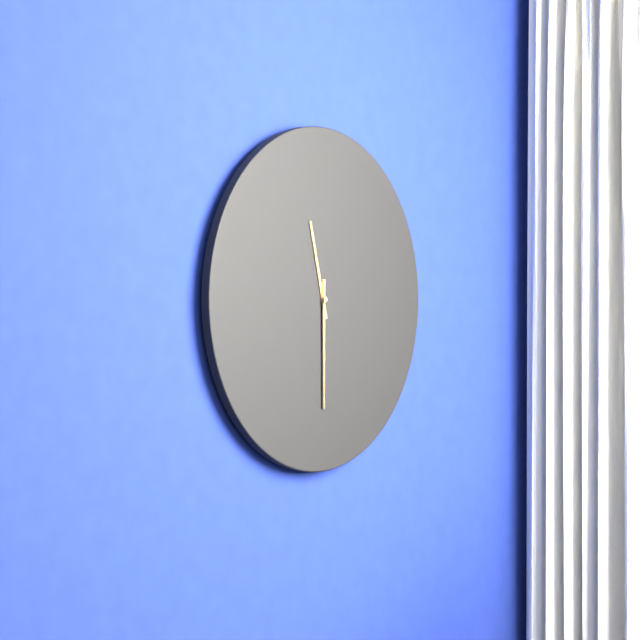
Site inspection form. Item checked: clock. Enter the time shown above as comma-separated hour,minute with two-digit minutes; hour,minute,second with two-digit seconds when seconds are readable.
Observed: 11,30
